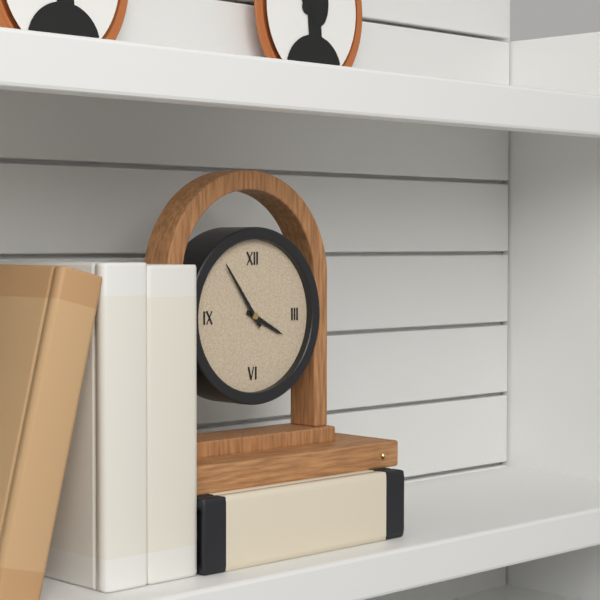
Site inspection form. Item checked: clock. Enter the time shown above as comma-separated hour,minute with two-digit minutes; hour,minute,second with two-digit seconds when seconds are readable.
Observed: 3,54
